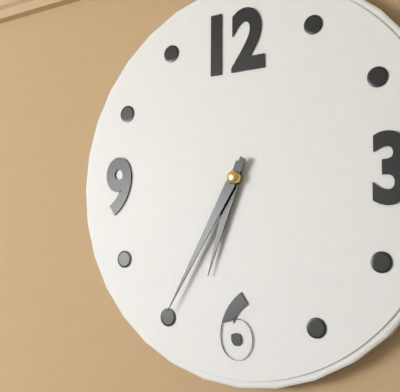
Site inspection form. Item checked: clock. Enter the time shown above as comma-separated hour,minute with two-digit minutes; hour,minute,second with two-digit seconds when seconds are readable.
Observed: 6,35
